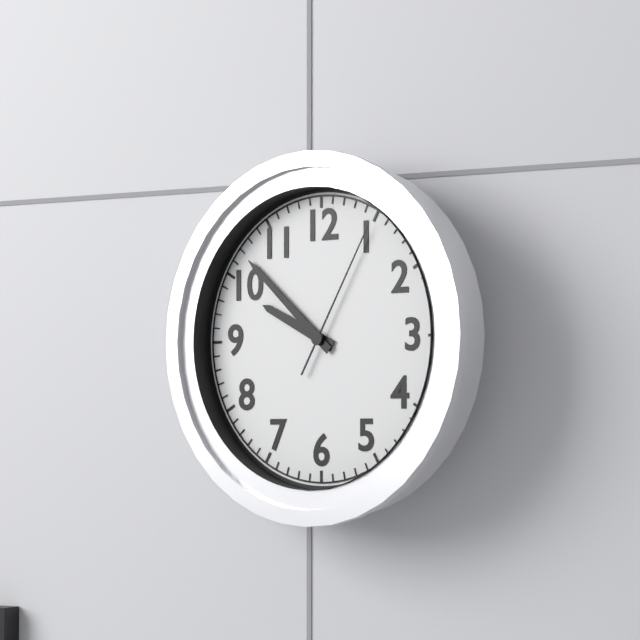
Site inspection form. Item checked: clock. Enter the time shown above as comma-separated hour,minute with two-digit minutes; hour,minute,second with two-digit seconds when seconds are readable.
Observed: 9,52,05
